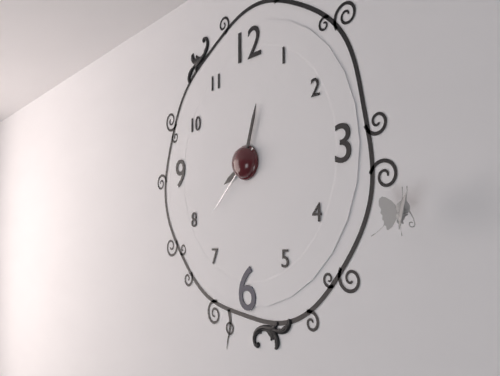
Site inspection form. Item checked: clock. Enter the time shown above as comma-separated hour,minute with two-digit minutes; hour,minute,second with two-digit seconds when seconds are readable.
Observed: 8,03,38
